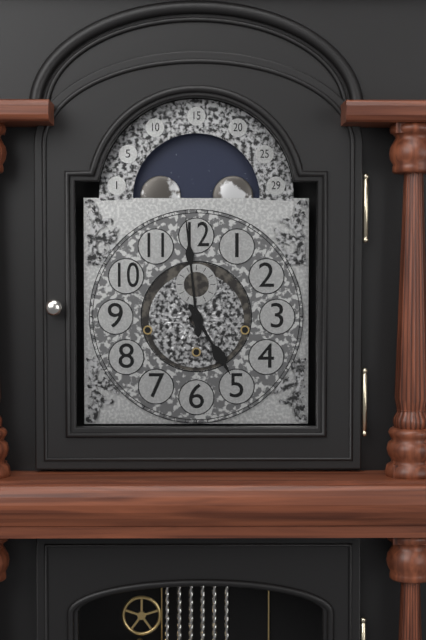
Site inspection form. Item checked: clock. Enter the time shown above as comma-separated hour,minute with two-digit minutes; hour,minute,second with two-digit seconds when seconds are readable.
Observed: 4,59
